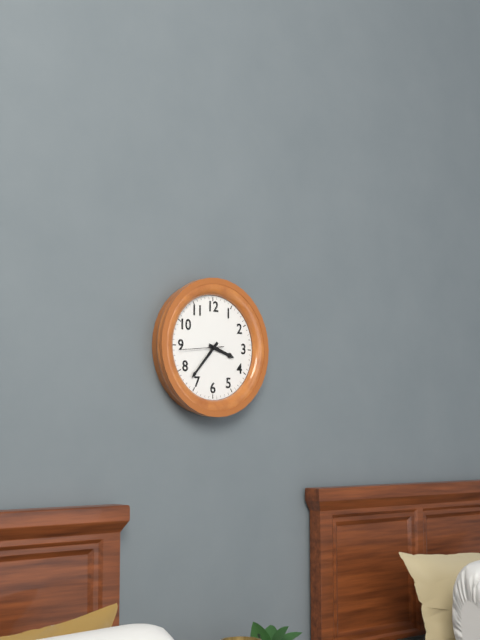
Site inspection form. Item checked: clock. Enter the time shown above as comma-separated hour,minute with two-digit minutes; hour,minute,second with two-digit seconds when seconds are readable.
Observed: 3,37
